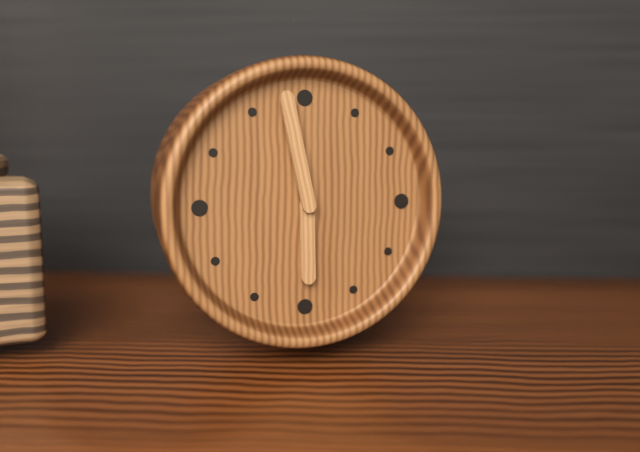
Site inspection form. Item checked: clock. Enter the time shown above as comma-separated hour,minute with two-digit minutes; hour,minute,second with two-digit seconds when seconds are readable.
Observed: 5,58
